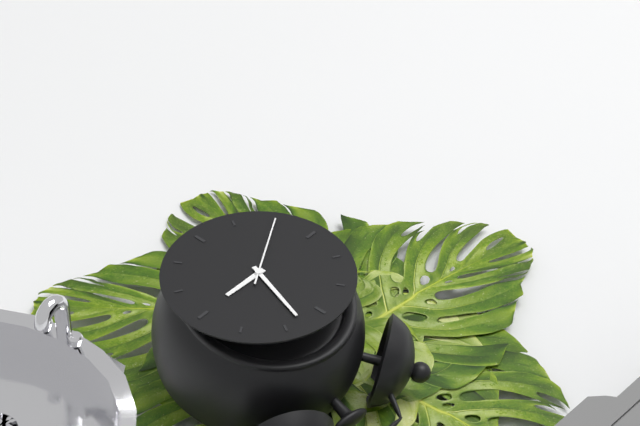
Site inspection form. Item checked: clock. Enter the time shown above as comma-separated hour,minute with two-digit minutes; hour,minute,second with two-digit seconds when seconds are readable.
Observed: 3,03,40
